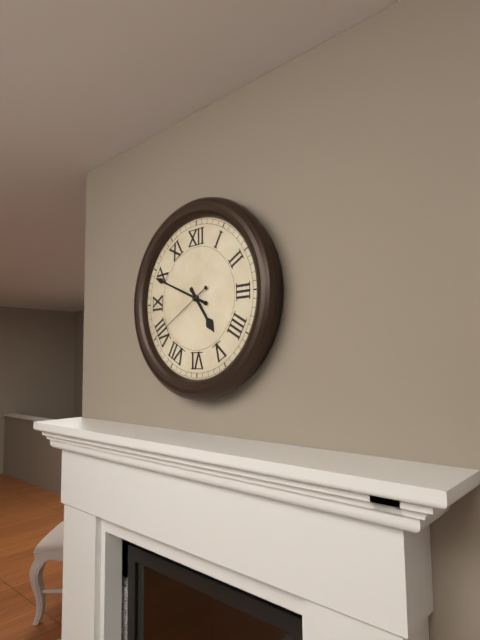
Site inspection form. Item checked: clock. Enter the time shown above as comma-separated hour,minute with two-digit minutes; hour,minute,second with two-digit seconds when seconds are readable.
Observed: 4,49,40
